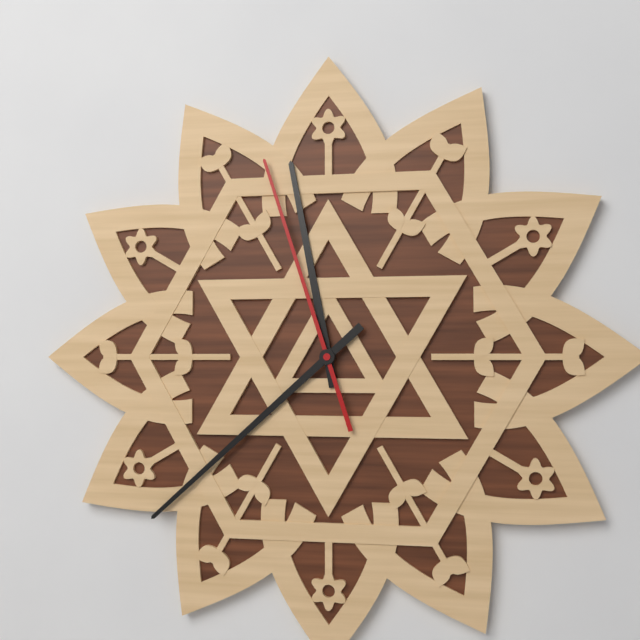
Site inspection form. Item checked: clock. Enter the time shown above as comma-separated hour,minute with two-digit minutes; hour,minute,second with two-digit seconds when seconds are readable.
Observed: 11,38,57
